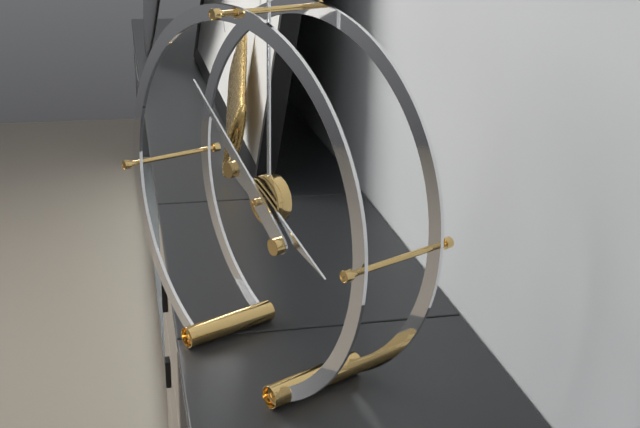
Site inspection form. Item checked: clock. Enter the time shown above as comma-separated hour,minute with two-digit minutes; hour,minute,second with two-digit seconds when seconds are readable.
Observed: 3,52
